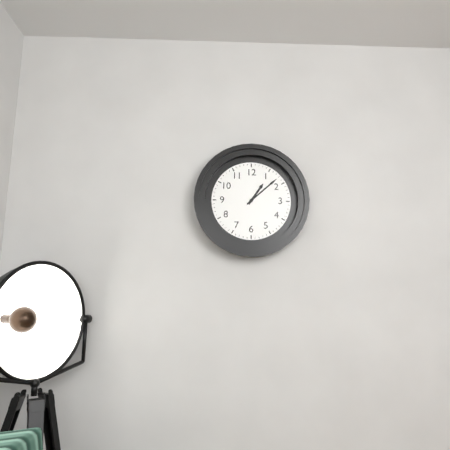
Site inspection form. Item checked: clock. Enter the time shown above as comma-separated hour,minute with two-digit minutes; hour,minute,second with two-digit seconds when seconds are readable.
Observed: 1,08
